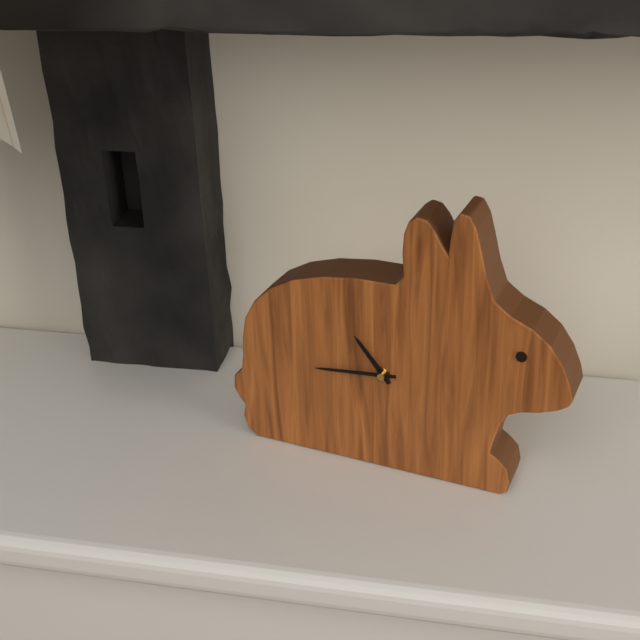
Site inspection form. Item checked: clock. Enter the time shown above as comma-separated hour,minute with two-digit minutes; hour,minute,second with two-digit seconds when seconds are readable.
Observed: 10,44
